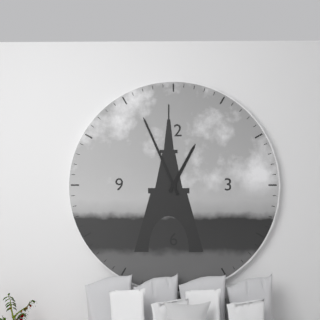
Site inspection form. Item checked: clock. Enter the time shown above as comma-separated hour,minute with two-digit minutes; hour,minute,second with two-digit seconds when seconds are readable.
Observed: 12,56
